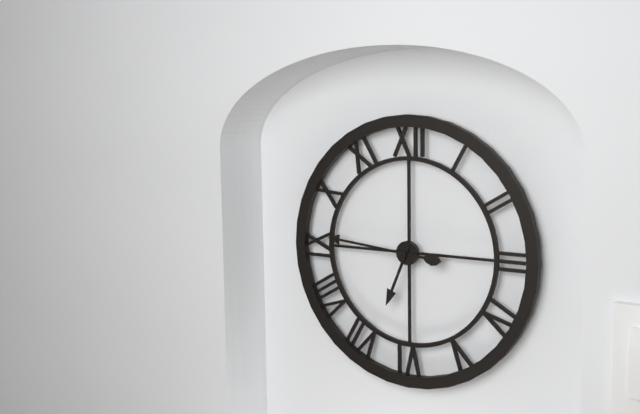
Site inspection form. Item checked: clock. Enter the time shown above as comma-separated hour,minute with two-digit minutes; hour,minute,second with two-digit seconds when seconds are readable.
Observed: 6,46
